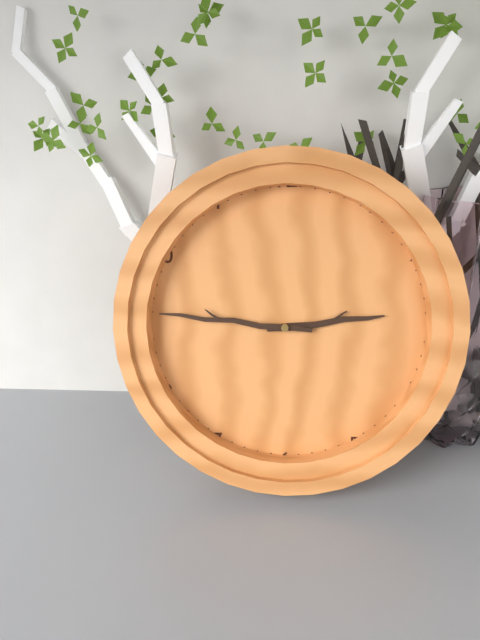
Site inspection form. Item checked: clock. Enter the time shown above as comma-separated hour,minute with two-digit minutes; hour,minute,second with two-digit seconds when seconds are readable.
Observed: 2,46
